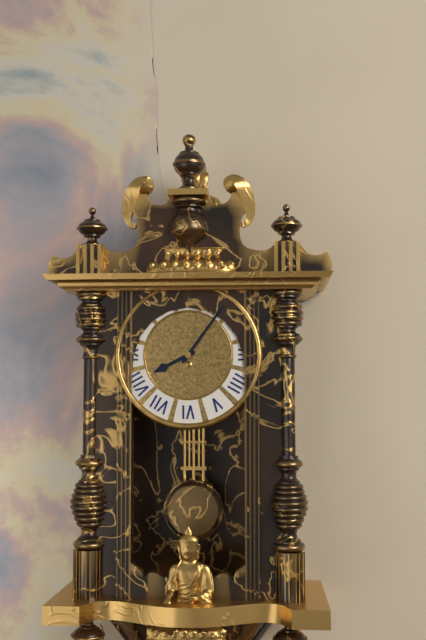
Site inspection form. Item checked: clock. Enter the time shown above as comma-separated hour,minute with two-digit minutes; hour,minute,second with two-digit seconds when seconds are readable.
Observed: 8,06
